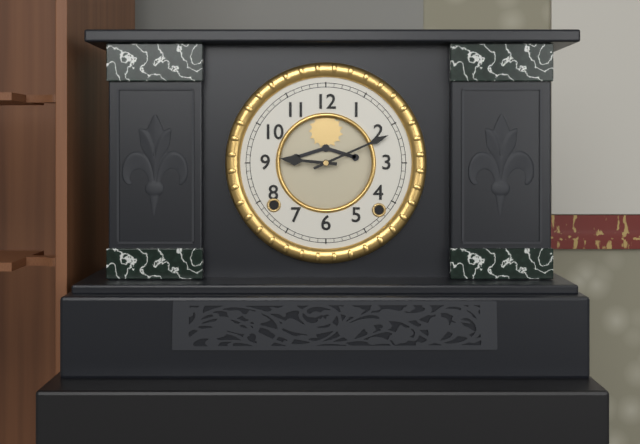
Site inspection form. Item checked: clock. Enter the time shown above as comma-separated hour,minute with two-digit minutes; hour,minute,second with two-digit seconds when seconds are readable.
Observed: 9,11
